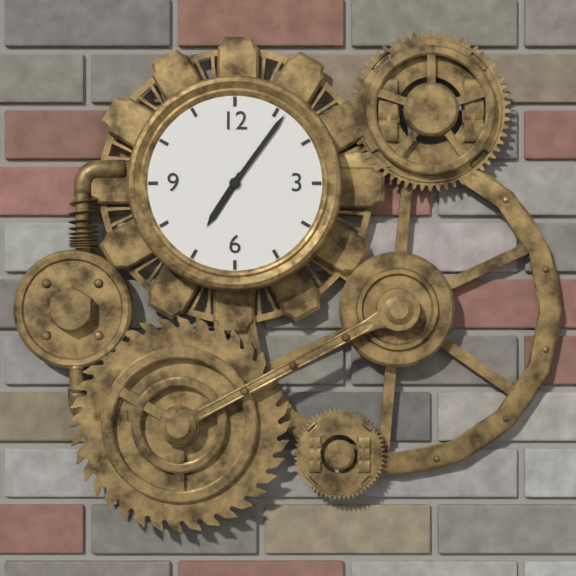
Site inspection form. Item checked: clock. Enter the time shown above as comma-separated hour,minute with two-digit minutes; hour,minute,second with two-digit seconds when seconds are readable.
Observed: 7,06
